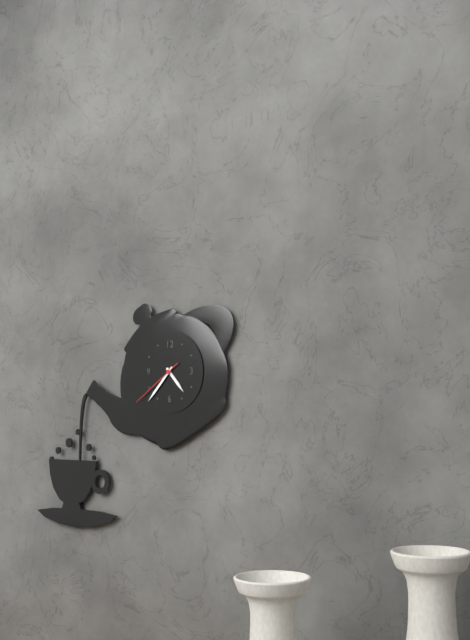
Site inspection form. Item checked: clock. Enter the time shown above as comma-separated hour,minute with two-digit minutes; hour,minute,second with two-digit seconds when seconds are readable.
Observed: 4,37,39
